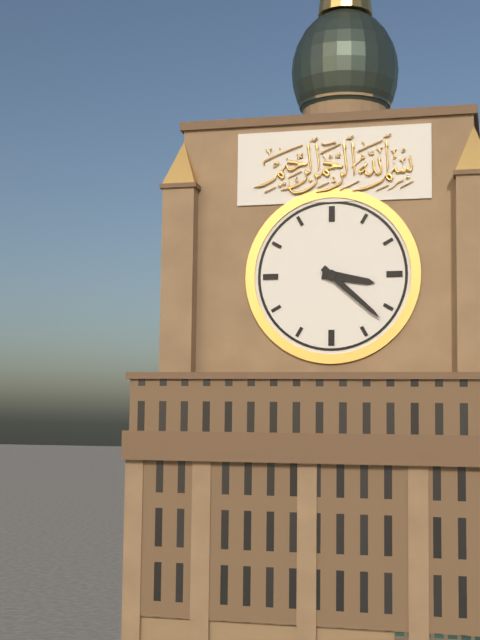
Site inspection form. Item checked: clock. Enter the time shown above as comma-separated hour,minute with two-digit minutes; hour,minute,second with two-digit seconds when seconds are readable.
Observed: 3,22
